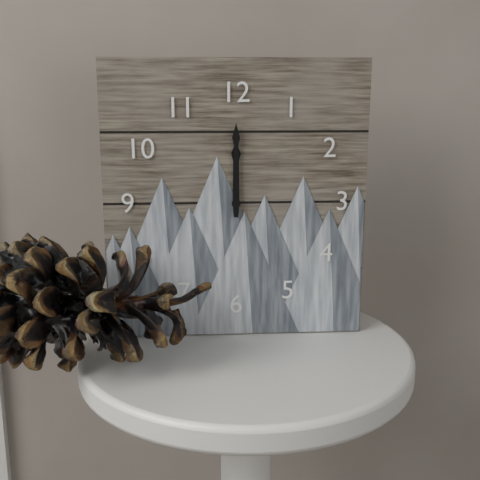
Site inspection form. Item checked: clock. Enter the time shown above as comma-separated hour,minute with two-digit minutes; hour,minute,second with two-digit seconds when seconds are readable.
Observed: 12,00
